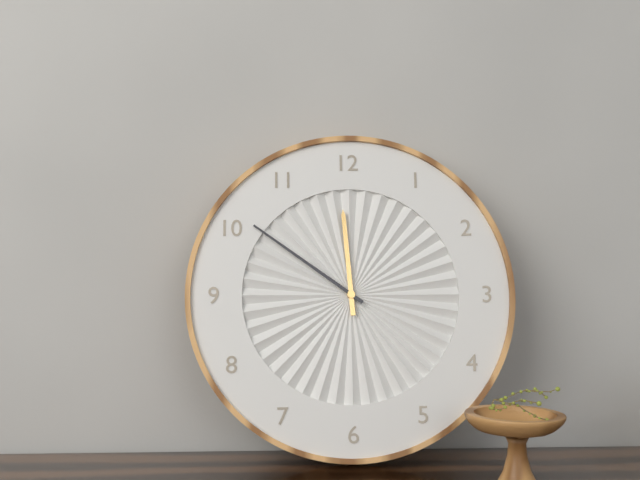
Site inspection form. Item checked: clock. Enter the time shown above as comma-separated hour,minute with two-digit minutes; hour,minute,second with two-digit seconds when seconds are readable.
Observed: 11,51
